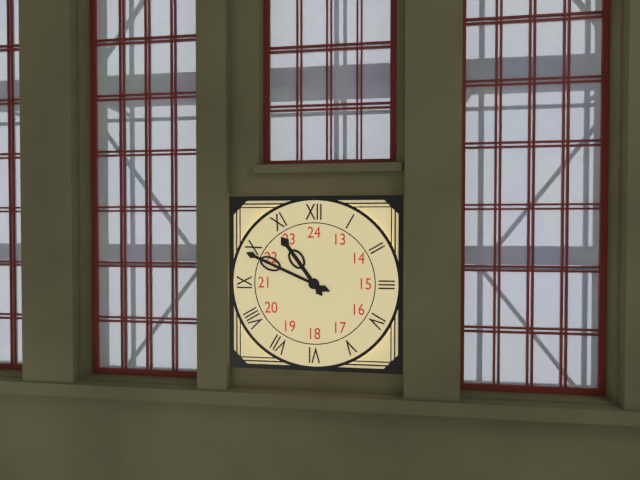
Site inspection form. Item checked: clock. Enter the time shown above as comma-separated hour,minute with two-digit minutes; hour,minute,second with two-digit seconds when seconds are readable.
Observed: 10,49
